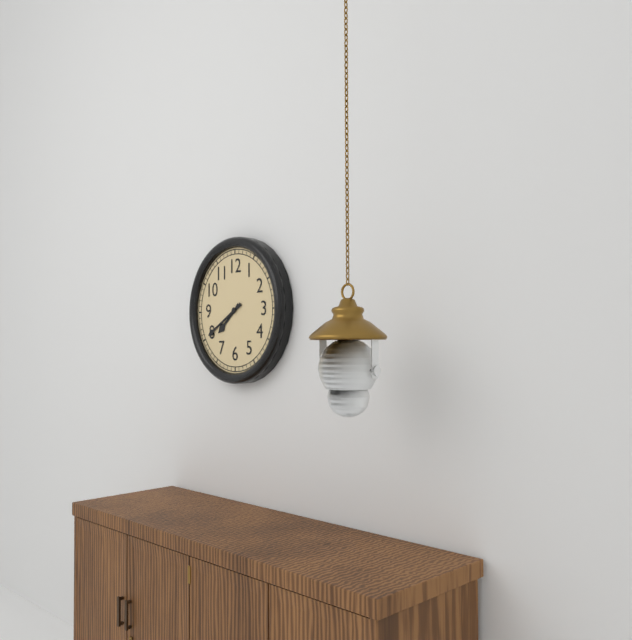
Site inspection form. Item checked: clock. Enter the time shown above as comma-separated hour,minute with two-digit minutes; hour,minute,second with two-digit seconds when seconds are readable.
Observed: 7,40
